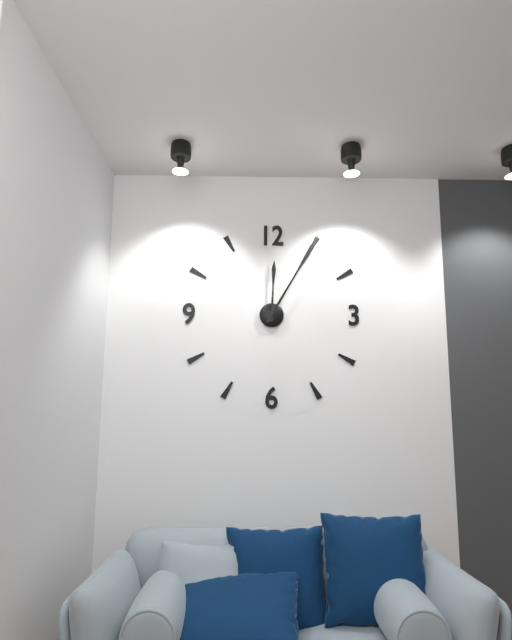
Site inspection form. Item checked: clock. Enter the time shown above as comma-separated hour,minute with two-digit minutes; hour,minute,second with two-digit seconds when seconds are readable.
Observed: 12,05
